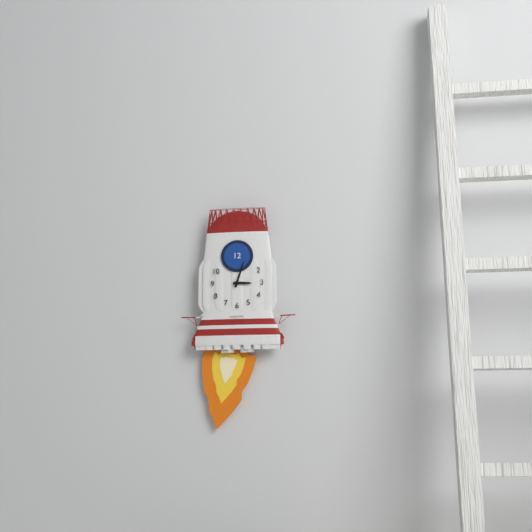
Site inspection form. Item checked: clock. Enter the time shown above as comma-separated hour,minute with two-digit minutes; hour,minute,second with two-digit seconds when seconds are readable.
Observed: 3,03
